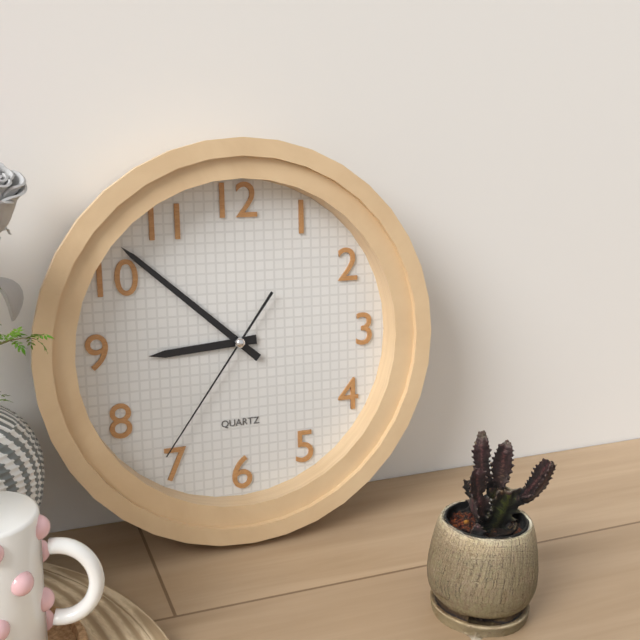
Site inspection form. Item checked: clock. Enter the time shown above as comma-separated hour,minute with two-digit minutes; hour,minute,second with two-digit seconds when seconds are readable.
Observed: 8,52,36
